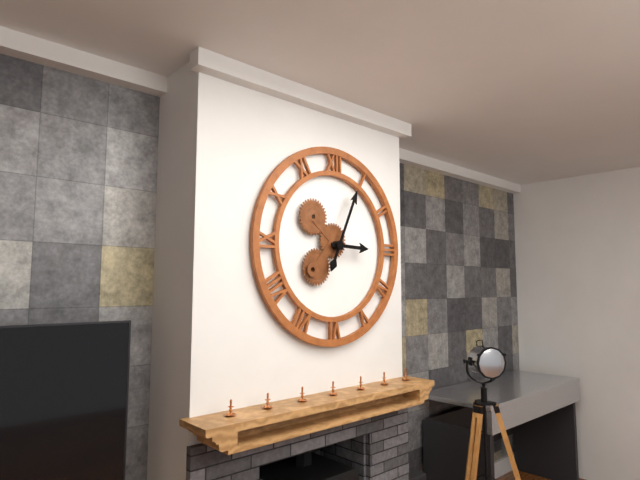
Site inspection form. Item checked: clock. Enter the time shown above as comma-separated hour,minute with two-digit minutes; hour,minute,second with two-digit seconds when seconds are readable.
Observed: 3,04
